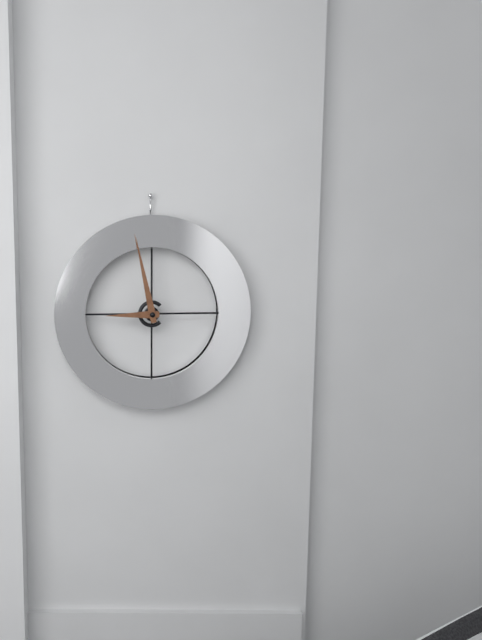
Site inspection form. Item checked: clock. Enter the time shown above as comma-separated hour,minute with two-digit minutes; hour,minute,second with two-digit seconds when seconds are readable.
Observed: 8,58
